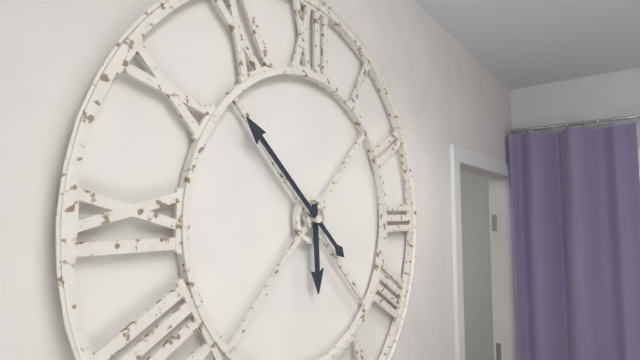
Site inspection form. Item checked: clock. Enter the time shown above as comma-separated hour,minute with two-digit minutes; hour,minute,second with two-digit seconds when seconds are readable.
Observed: 5,52
